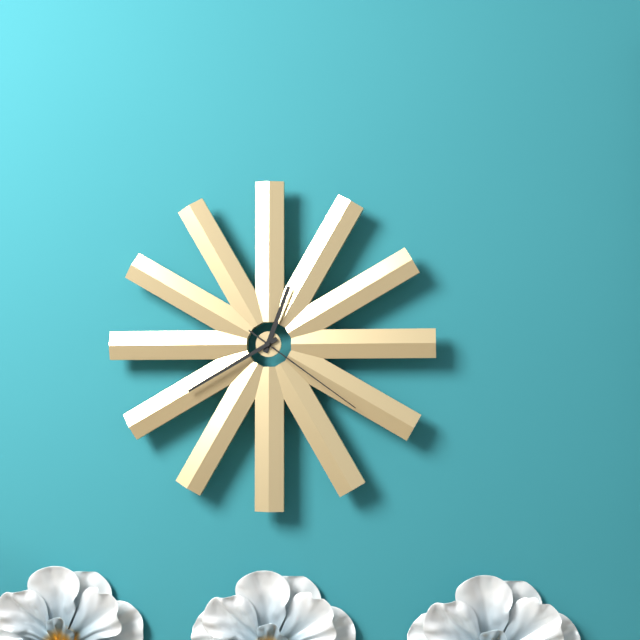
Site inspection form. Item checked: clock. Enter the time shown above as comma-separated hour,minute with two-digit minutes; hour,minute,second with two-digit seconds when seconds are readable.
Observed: 12,40,21
